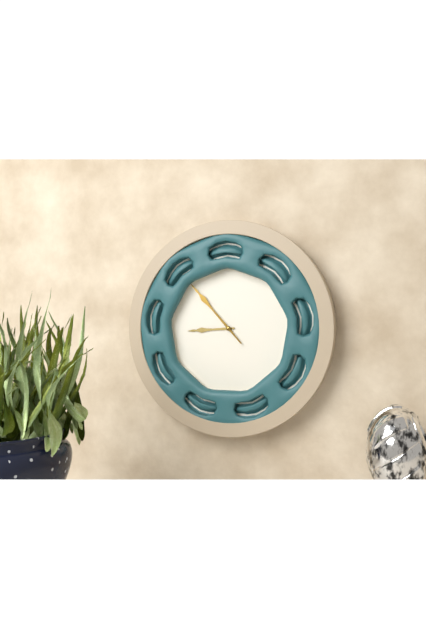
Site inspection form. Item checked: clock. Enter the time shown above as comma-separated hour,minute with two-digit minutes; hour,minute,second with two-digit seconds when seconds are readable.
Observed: 8,53
